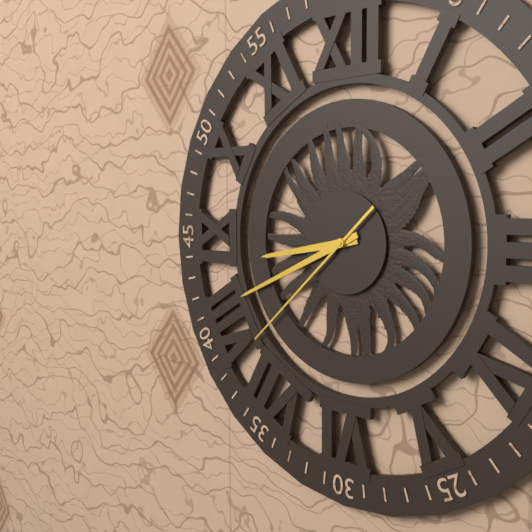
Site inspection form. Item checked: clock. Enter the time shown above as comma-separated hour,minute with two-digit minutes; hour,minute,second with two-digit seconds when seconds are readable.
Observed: 8,41,38
